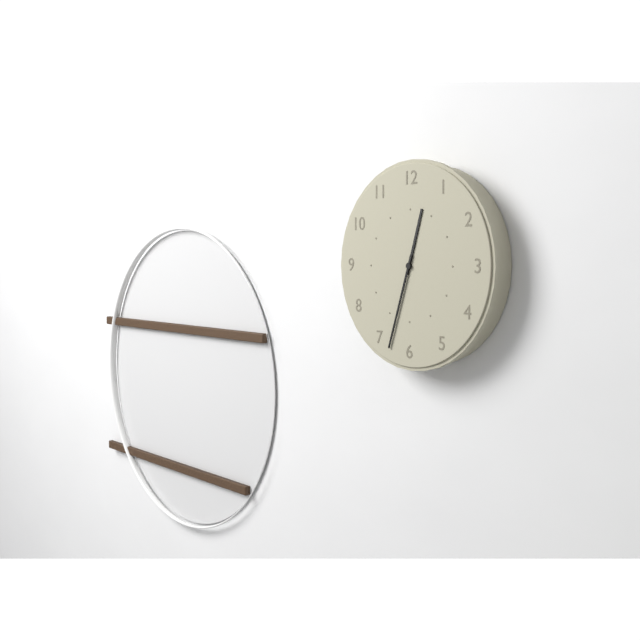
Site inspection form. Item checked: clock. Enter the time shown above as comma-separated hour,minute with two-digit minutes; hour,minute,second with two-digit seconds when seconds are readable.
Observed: 12,33
